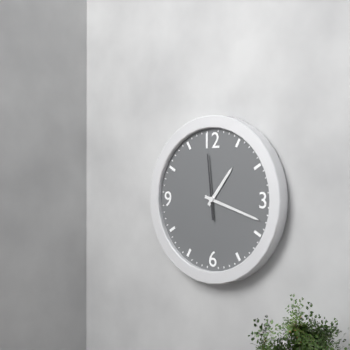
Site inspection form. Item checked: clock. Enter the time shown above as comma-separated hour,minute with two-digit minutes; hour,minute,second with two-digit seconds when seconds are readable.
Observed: 1,18,59
